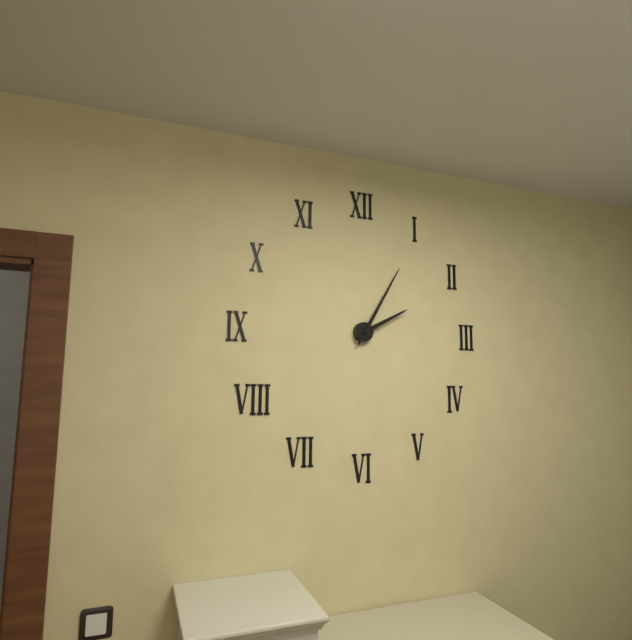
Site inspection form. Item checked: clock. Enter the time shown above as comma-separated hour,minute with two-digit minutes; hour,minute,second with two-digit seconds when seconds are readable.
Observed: 2,05
